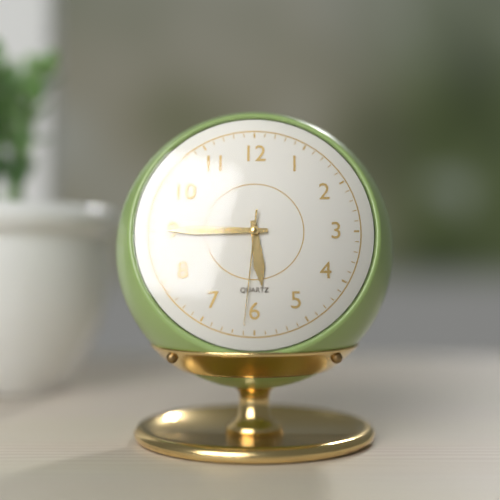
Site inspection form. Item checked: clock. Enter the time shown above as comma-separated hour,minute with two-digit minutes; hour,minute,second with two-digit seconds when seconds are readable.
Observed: 5,45,31
